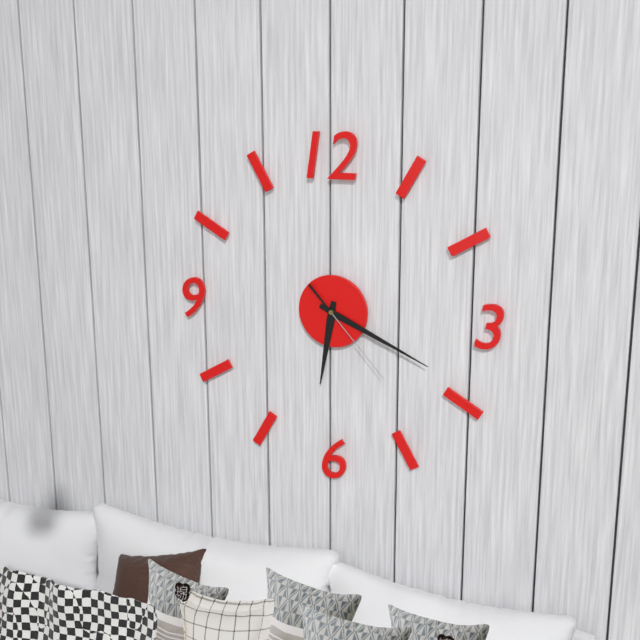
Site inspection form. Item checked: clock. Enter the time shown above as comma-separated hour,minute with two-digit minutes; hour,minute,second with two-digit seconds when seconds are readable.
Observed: 6,19,23
